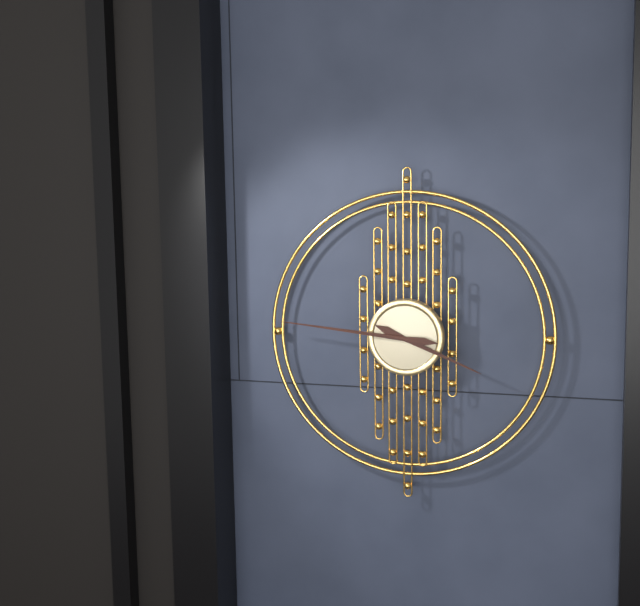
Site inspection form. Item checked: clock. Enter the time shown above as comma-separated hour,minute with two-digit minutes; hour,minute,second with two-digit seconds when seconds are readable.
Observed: 3,46
